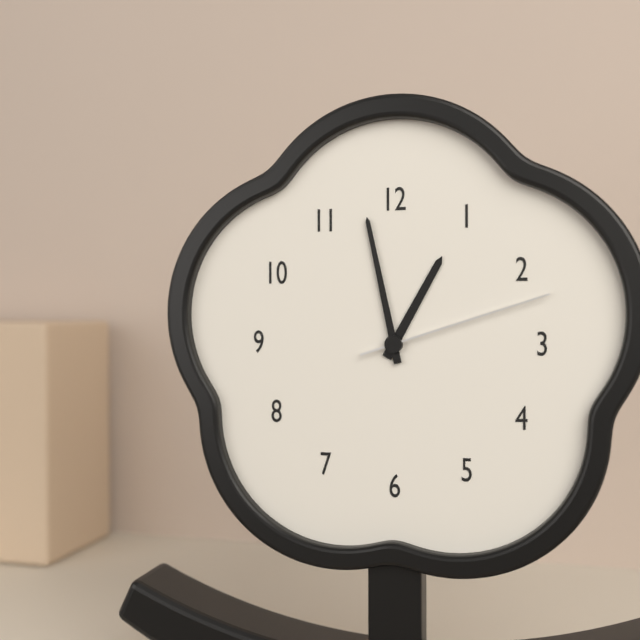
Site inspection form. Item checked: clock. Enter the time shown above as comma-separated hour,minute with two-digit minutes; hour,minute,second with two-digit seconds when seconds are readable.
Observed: 12,58,12
